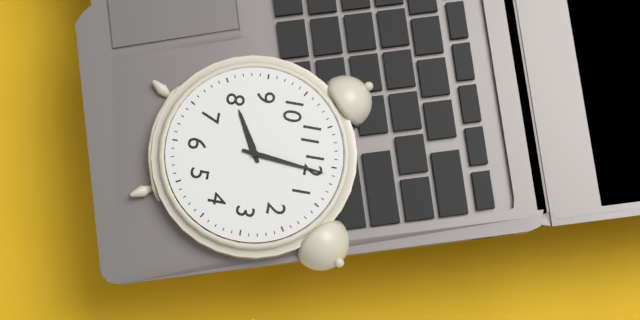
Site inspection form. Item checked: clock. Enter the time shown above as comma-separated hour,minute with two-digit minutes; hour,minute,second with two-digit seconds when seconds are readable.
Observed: 8,01
